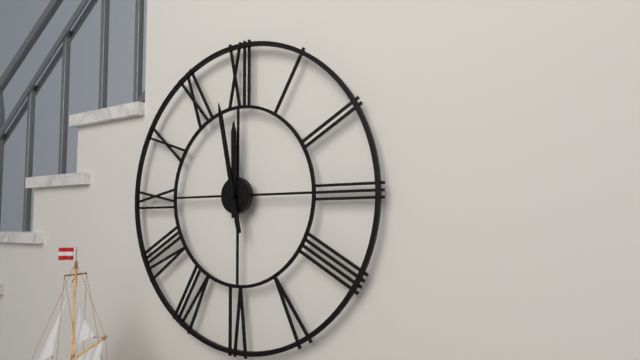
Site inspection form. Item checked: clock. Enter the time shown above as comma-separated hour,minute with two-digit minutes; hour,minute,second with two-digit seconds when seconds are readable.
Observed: 11,58
